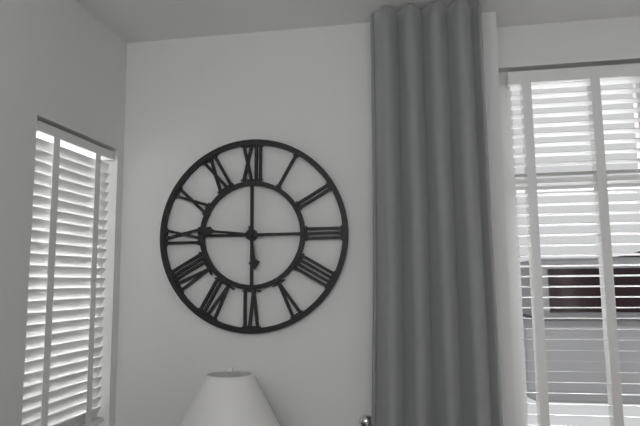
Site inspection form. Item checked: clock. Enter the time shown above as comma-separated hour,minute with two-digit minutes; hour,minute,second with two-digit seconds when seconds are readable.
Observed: 5,46
